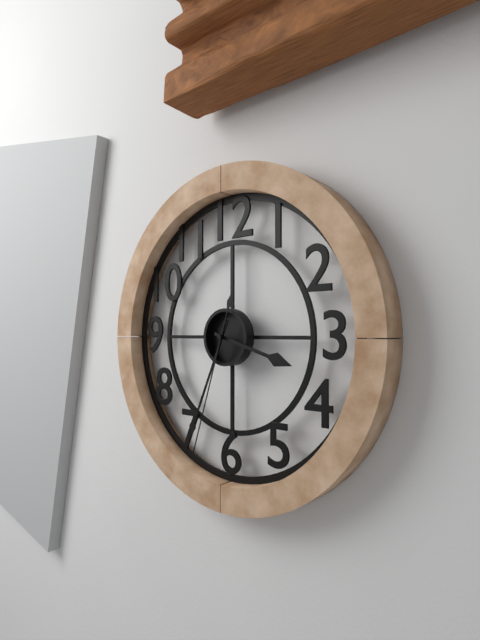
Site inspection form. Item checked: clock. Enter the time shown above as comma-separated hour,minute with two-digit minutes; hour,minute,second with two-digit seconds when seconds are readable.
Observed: 3,34,33
